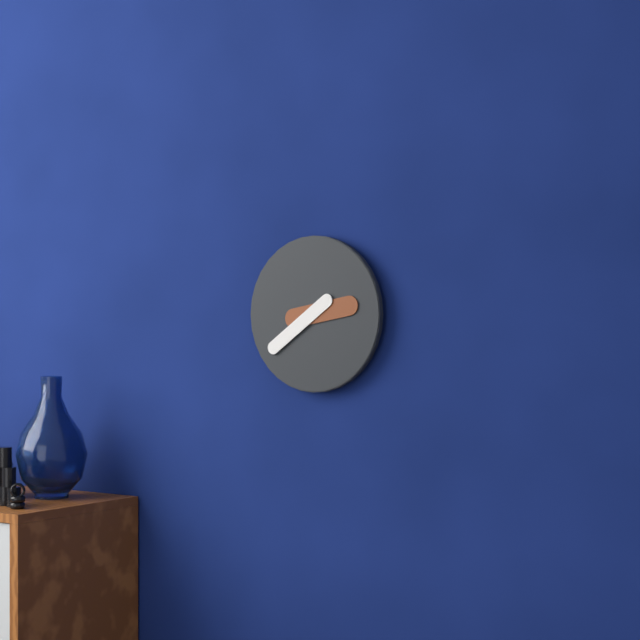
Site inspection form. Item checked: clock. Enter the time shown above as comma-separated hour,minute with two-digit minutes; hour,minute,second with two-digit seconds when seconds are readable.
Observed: 2,39
